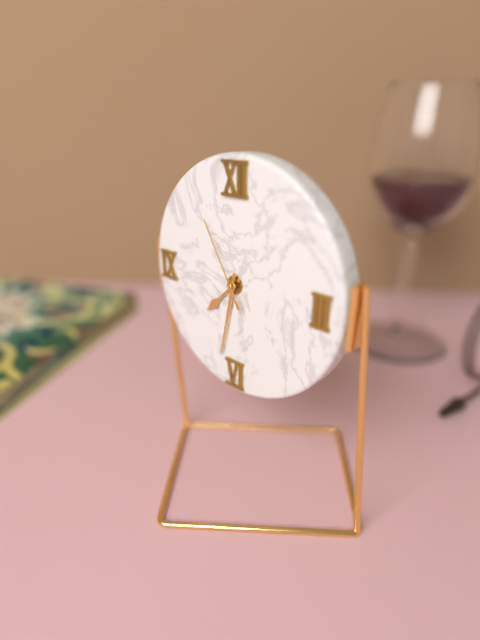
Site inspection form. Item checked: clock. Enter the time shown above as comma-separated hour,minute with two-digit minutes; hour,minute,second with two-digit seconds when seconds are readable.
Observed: 7,32,55
